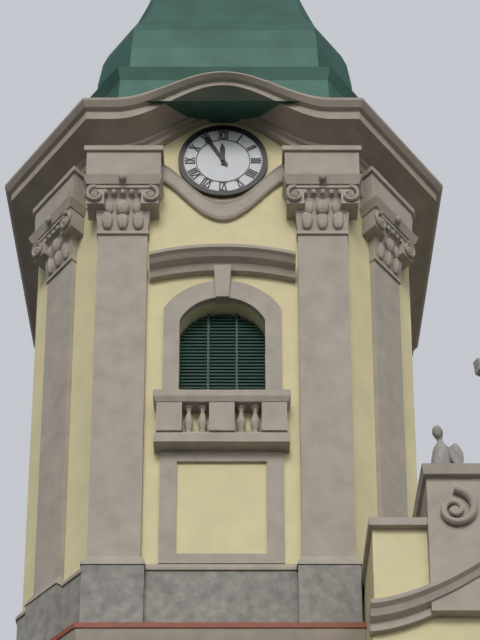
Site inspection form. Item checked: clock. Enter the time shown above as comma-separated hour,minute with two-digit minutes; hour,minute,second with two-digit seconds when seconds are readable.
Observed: 11,55
